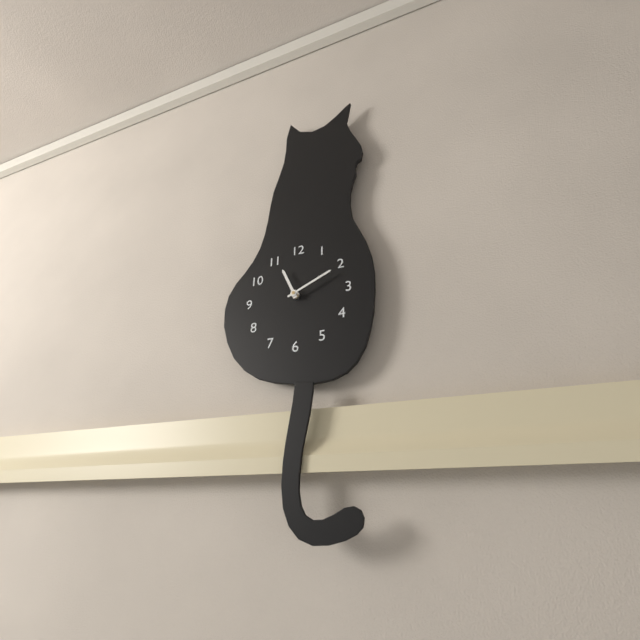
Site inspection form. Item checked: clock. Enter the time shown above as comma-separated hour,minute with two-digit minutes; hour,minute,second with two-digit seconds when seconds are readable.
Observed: 11,11
